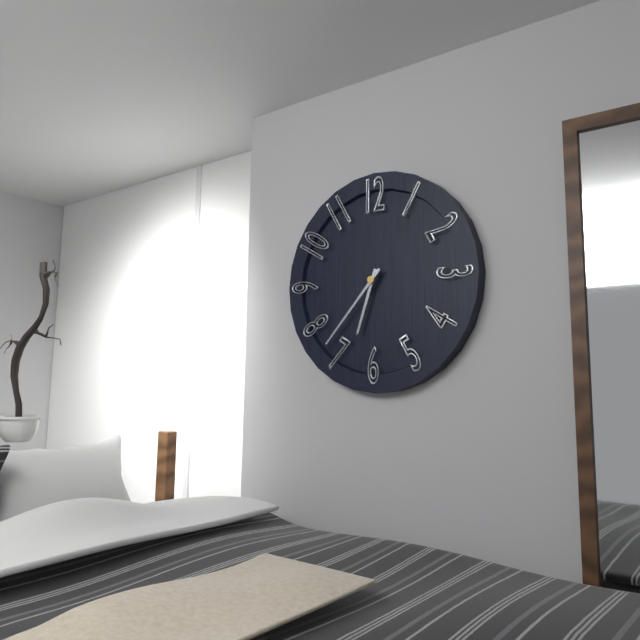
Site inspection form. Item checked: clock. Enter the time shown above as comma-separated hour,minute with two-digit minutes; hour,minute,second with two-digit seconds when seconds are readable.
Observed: 6,37
